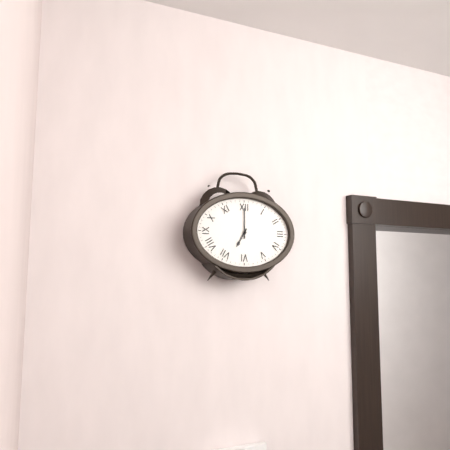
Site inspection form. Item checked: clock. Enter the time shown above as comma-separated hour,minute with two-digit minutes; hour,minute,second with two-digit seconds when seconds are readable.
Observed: 7,00
